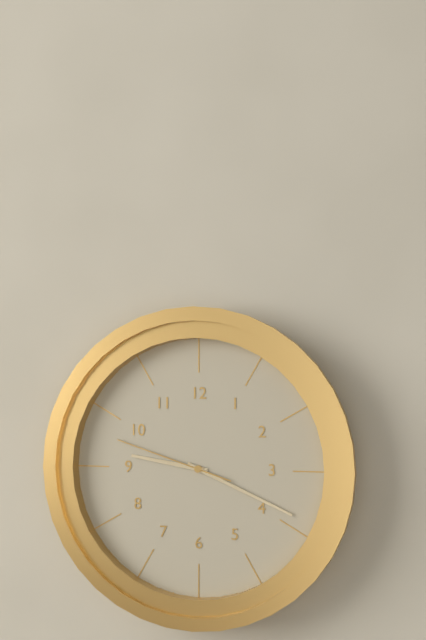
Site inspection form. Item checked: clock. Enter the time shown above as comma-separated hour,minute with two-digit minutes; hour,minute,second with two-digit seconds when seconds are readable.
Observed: 9,19,48
